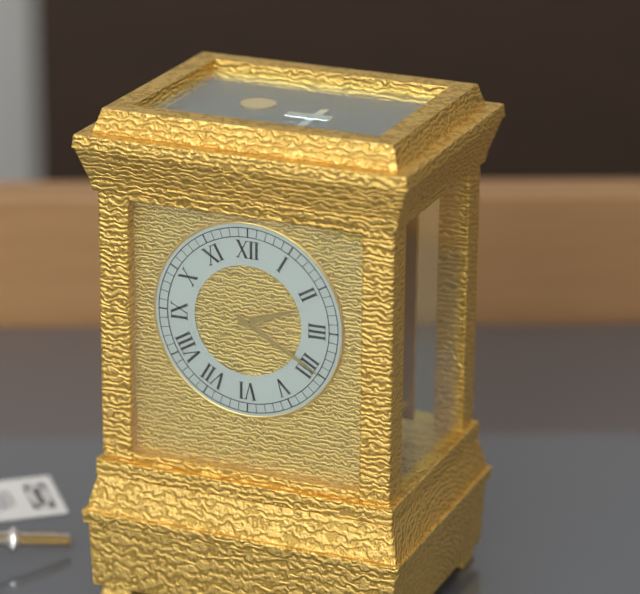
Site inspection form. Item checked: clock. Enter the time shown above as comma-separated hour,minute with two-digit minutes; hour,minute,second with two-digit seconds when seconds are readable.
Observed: 2,20
